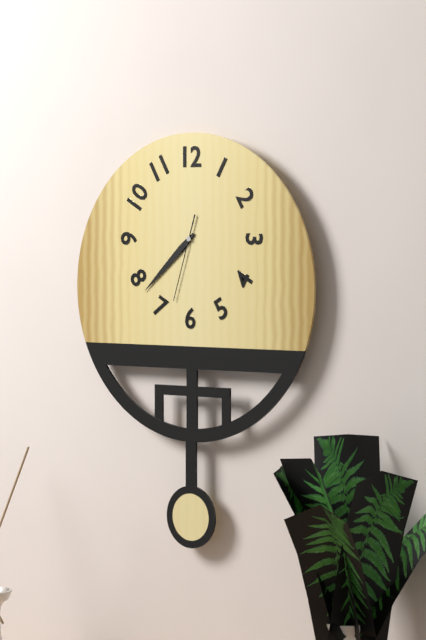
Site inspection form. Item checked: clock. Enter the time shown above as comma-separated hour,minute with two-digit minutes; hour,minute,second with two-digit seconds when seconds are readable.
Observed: 7,38,33
